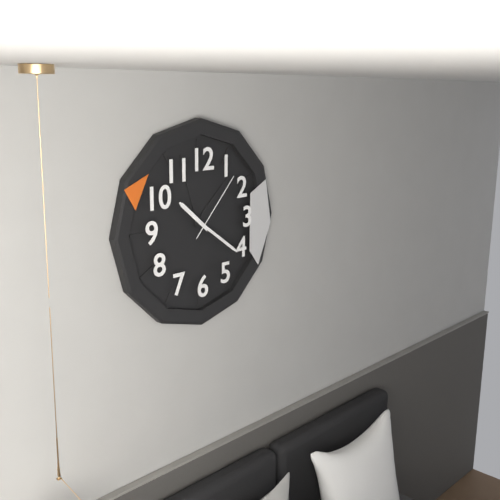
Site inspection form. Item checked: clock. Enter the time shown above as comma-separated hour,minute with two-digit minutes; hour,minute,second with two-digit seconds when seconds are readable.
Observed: 10,21,07
